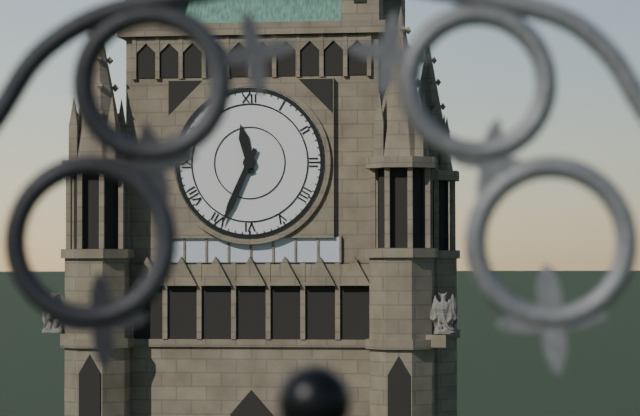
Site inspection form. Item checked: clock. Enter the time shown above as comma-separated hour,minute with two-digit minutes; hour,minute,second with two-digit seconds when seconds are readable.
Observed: 11,34
